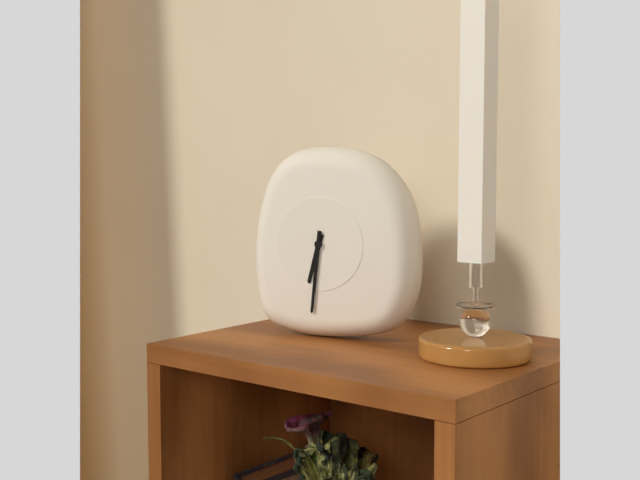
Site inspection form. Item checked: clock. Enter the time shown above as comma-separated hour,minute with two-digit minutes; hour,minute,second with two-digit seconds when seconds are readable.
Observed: 6,31
